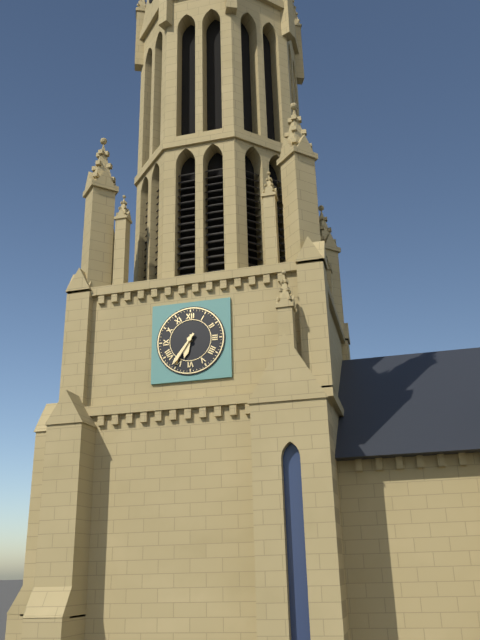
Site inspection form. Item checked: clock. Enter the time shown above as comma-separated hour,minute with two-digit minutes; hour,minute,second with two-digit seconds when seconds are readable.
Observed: 6,36
